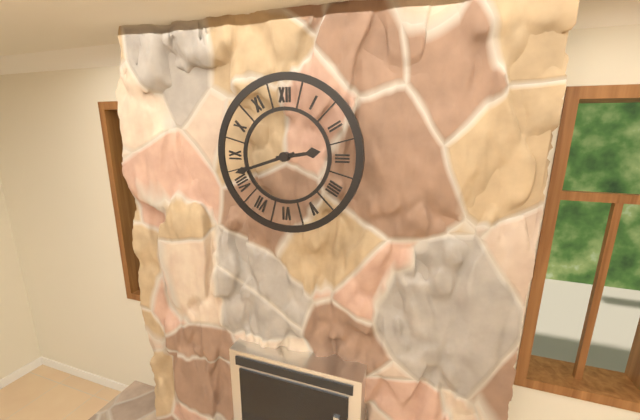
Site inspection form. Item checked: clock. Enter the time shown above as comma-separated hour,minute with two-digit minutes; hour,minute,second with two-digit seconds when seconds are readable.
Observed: 2,42
